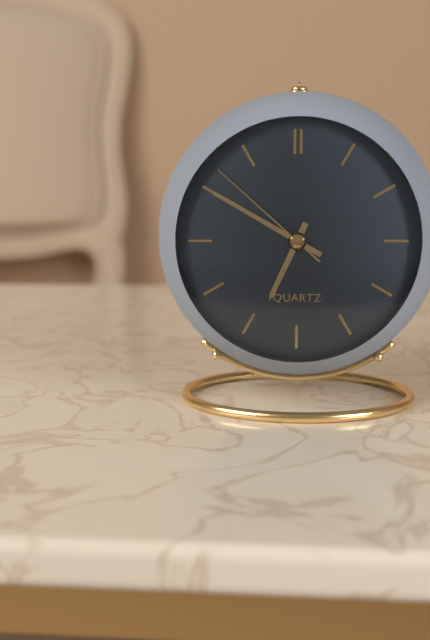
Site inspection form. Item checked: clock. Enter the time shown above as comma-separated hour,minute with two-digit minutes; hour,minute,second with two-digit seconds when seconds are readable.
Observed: 6,50,52
